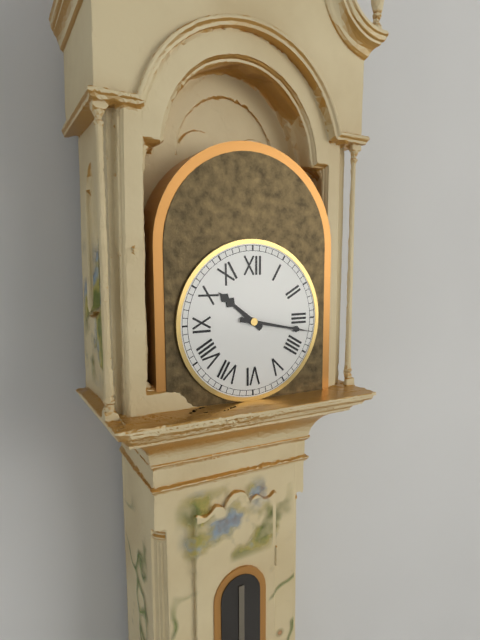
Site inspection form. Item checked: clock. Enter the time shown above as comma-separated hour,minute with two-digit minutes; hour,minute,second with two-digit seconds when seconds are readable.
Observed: 10,17
